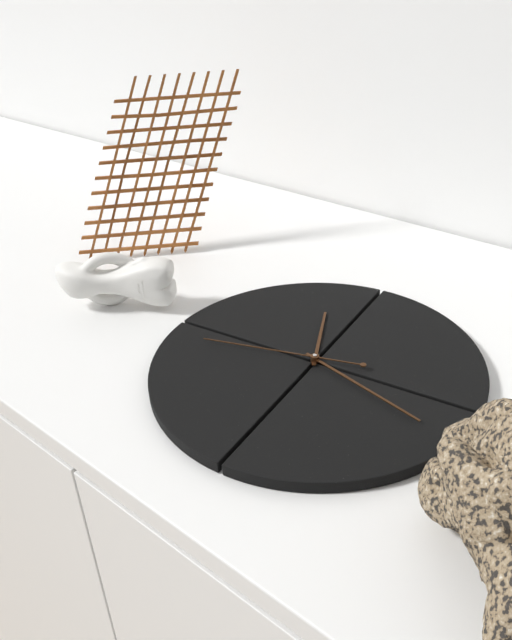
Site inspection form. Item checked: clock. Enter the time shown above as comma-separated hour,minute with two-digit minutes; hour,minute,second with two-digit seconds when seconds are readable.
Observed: 11,18,43
